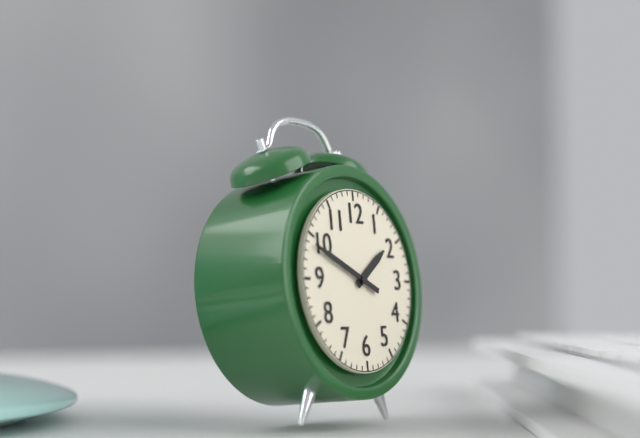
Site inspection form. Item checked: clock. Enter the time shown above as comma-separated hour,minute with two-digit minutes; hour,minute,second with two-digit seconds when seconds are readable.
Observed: 1,49
